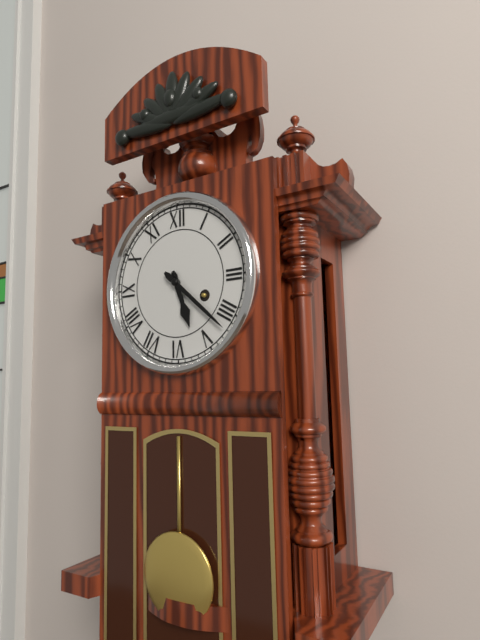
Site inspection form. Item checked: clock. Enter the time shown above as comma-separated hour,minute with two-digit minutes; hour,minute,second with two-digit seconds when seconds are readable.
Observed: 5,22
